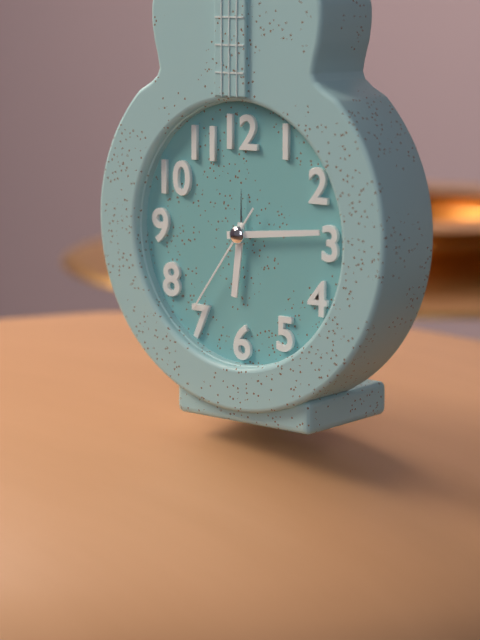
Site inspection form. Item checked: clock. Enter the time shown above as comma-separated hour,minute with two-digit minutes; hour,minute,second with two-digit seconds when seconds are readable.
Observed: 6,14,36
